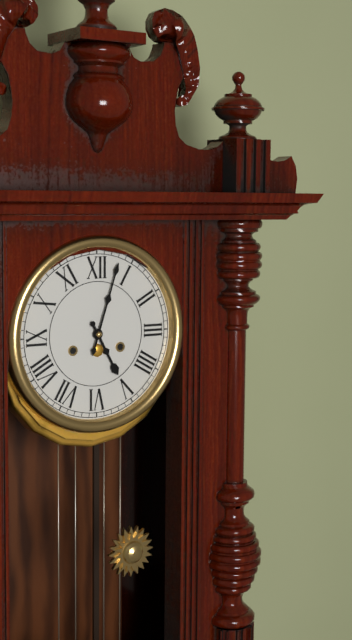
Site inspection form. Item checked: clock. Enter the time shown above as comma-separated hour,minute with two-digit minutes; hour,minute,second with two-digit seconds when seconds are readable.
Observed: 5,03
